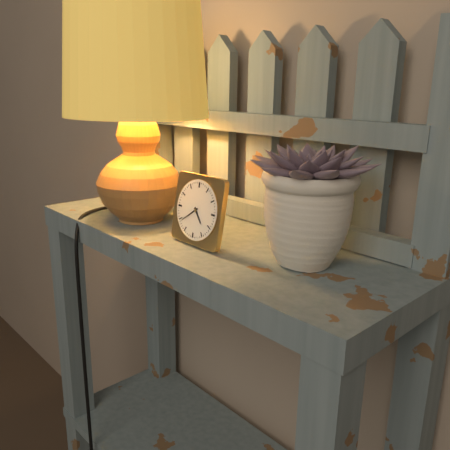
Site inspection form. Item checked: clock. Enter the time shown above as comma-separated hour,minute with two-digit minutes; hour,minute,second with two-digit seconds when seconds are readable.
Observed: 4,39
